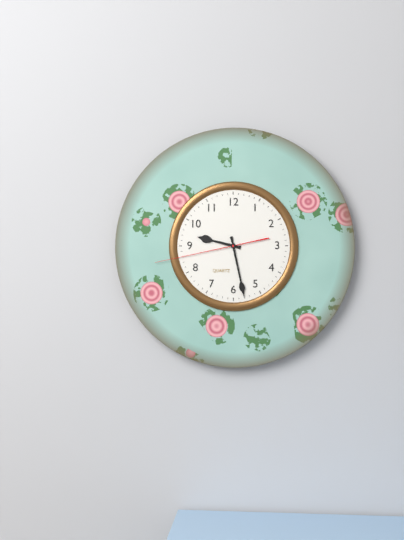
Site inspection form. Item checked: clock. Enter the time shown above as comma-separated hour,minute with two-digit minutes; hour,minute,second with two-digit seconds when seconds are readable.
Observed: 9,28,43
